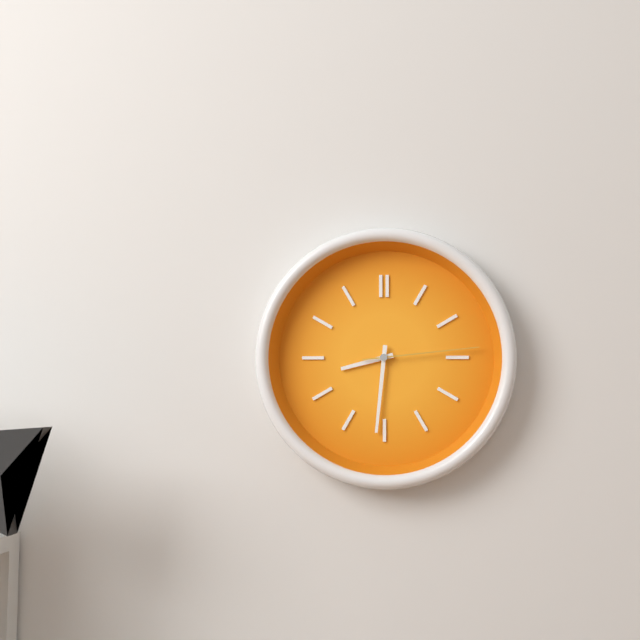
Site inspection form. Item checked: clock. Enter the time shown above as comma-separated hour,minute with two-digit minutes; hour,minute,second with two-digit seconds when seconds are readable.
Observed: 8,31,14
